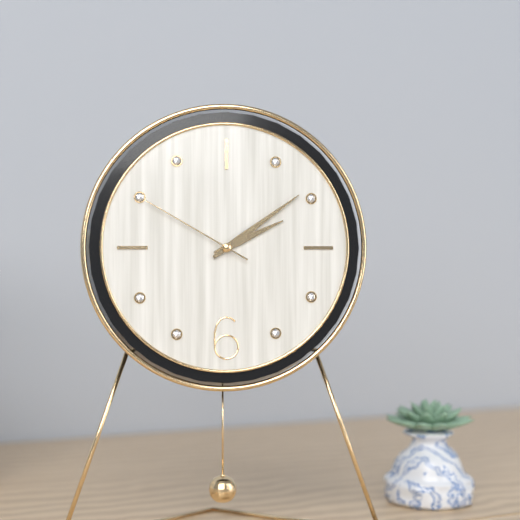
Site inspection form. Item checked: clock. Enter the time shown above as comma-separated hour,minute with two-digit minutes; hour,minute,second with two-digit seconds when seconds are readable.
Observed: 2,09,50
